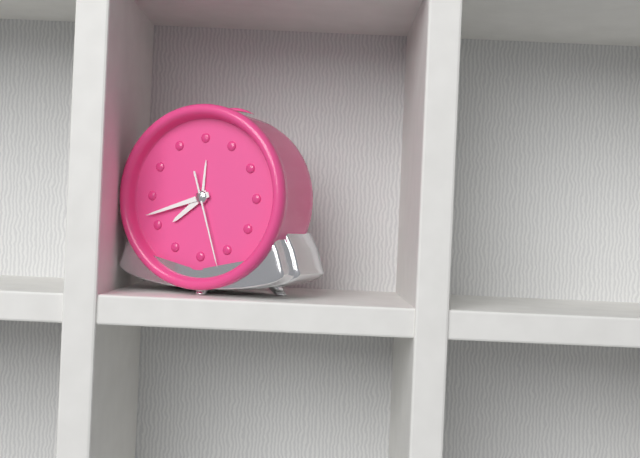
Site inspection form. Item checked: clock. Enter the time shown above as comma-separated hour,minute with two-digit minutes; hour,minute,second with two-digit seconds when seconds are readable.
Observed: 7,42,27
